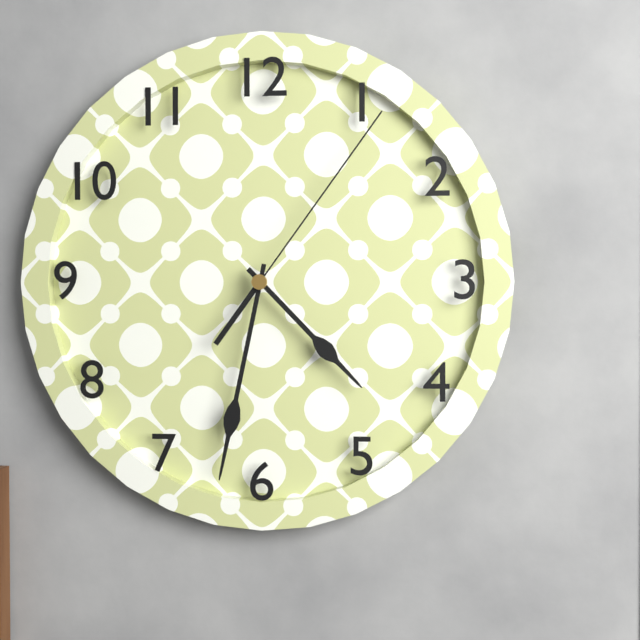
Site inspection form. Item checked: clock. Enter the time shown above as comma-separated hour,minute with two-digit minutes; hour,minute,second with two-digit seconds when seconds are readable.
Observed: 4,32,06
